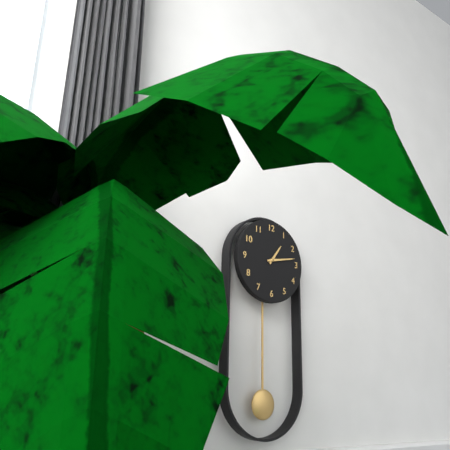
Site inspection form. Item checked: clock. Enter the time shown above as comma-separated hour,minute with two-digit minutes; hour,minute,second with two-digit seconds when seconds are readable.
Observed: 1,13
